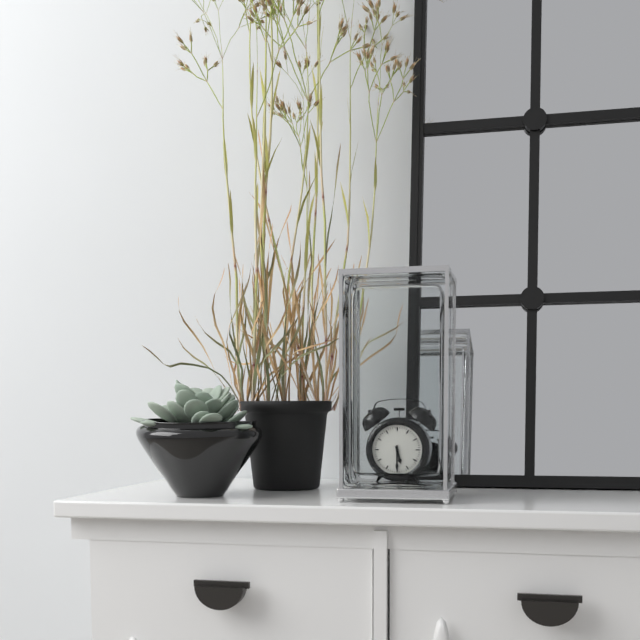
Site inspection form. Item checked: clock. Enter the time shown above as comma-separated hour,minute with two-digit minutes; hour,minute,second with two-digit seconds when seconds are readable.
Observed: 5,30
